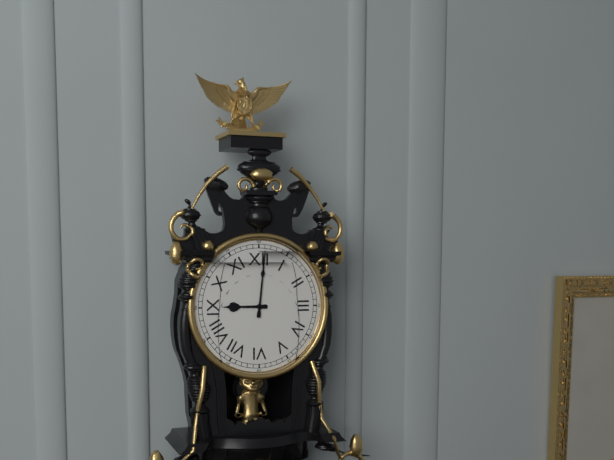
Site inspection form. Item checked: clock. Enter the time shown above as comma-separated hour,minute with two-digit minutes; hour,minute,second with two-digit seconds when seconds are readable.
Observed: 9,01
